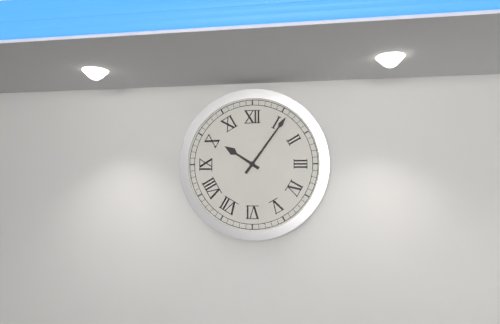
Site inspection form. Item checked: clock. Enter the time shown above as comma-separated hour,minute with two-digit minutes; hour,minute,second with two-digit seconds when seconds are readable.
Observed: 10,06
